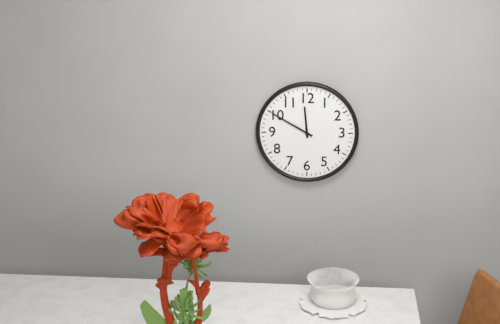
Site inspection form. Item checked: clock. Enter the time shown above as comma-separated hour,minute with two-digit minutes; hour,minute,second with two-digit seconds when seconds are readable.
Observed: 11,50
